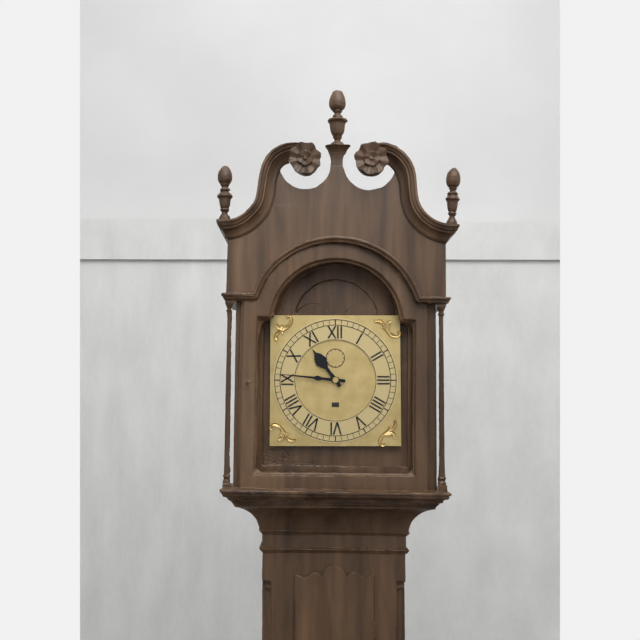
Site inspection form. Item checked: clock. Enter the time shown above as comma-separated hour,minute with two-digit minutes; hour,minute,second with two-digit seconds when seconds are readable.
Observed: 10,46
